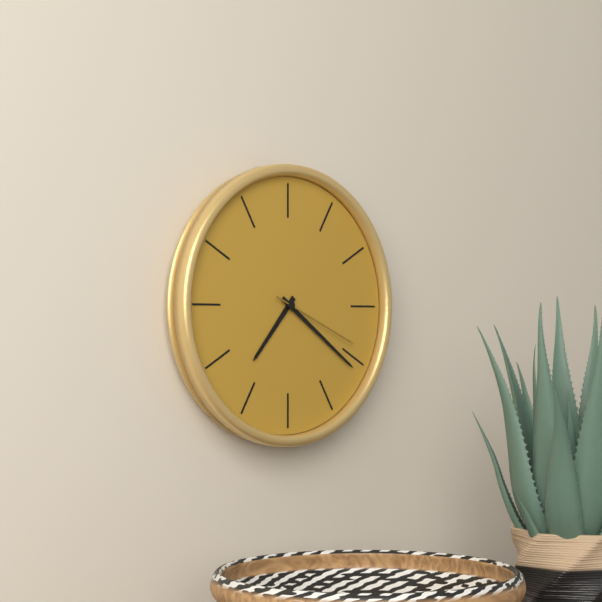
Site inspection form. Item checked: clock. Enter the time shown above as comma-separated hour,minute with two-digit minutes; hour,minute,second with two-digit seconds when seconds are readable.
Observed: 7,21,19
